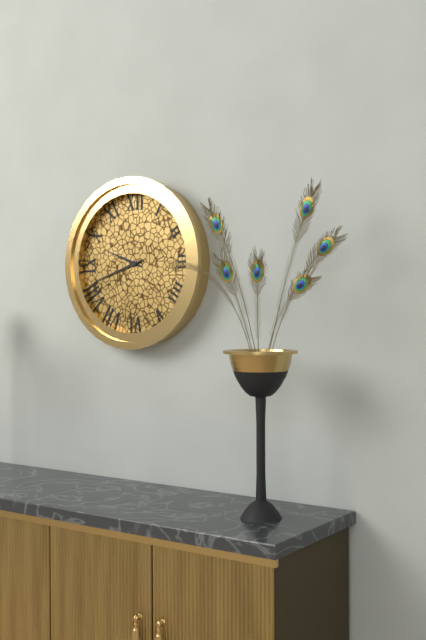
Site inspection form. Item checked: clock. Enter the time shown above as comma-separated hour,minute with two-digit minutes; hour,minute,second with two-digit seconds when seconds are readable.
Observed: 9,42
